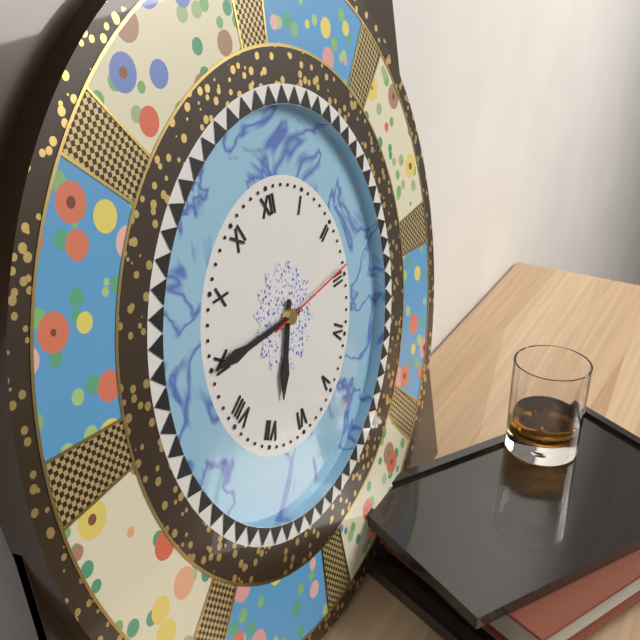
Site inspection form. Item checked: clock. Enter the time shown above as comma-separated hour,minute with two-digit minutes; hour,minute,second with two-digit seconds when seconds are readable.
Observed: 6,45,14
